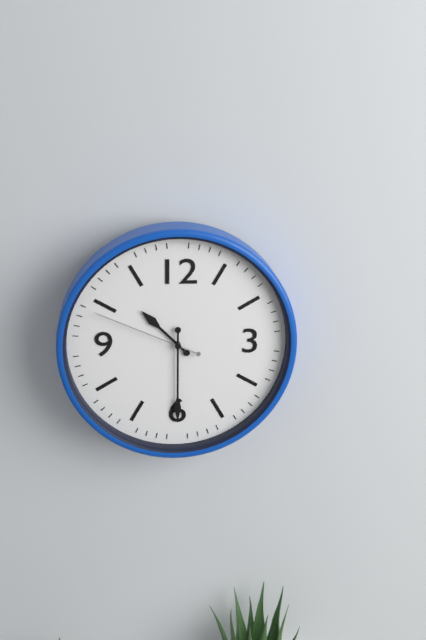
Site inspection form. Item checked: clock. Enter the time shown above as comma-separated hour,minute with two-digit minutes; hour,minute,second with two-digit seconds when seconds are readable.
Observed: 10,30,49
